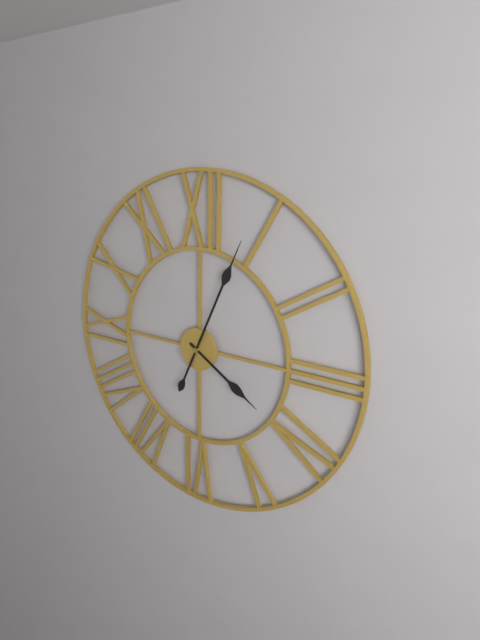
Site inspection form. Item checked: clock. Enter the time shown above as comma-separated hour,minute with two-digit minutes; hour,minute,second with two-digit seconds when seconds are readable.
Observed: 4,04
